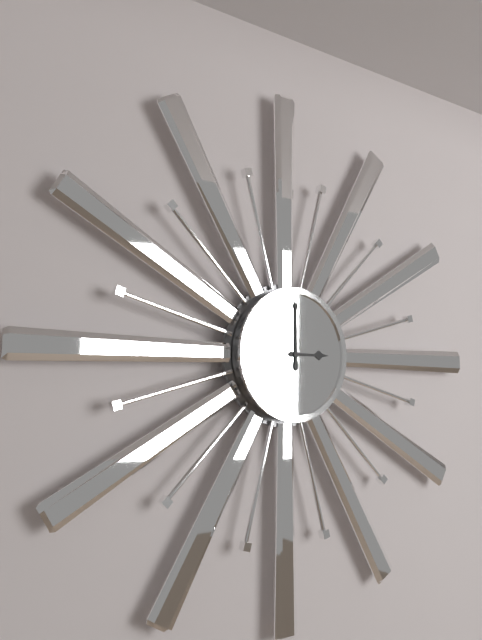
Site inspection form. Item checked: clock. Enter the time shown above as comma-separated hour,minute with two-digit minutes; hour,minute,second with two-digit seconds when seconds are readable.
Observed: 3,00
